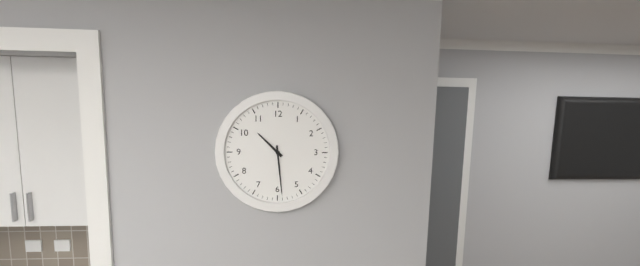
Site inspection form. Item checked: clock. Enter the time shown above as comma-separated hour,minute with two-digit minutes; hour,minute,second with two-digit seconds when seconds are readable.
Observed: 10,29
